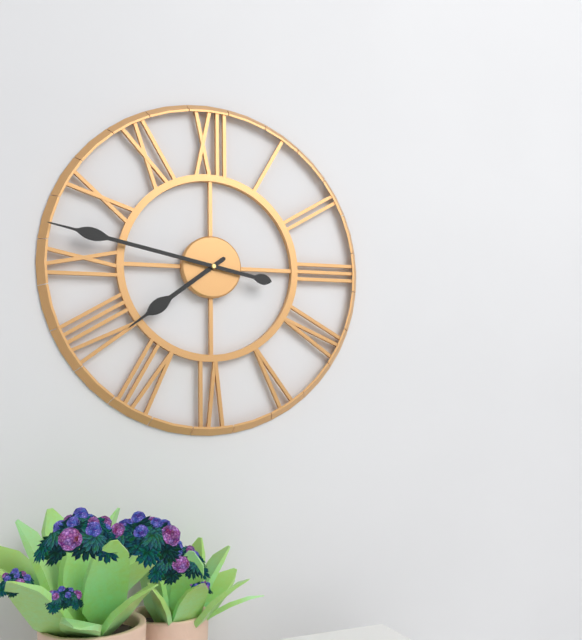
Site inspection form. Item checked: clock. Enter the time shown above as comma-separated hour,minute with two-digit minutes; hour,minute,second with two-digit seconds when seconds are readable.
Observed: 7,47
